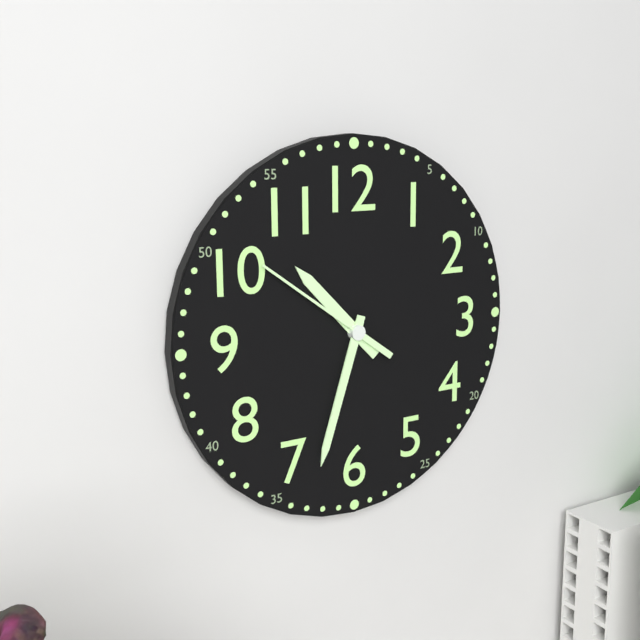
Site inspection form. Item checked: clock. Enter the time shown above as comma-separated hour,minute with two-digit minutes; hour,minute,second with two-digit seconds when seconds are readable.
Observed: 10,33,51
